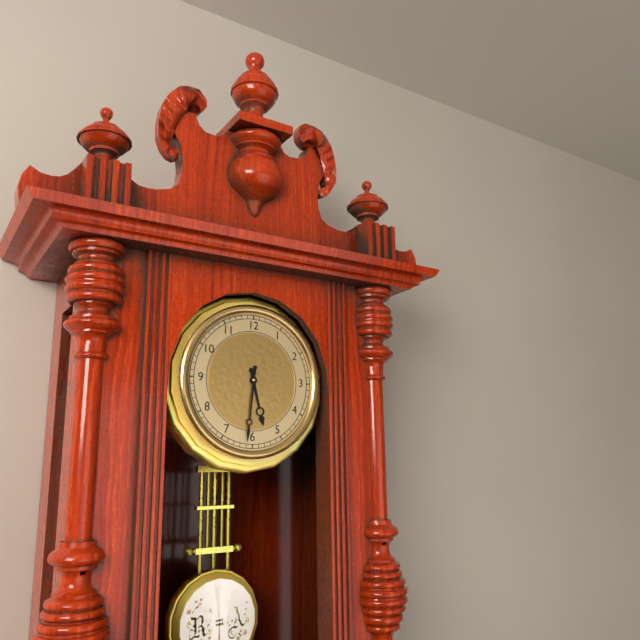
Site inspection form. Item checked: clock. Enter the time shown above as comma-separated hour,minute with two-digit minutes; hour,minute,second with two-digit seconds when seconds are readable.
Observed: 5,31
